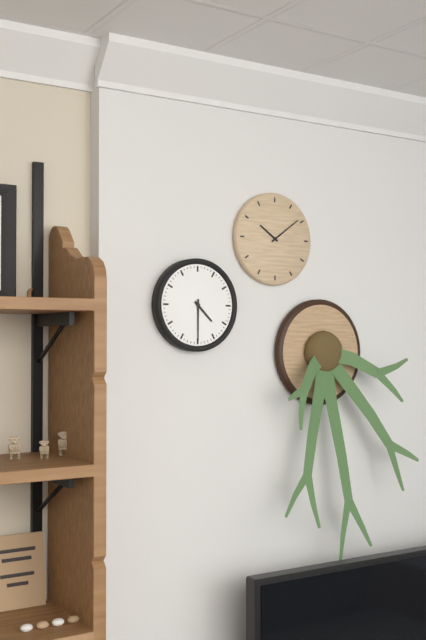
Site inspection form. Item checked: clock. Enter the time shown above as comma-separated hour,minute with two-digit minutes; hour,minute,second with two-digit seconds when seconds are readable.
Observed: 4,30
